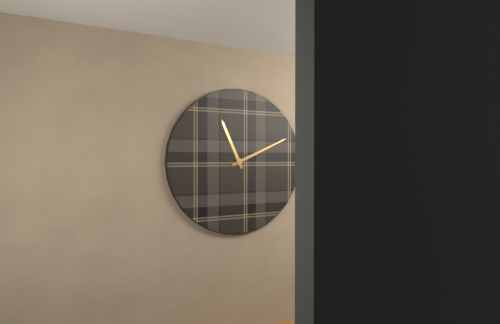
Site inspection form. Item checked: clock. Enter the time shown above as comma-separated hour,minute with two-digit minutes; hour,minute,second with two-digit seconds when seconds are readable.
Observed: 11,11
